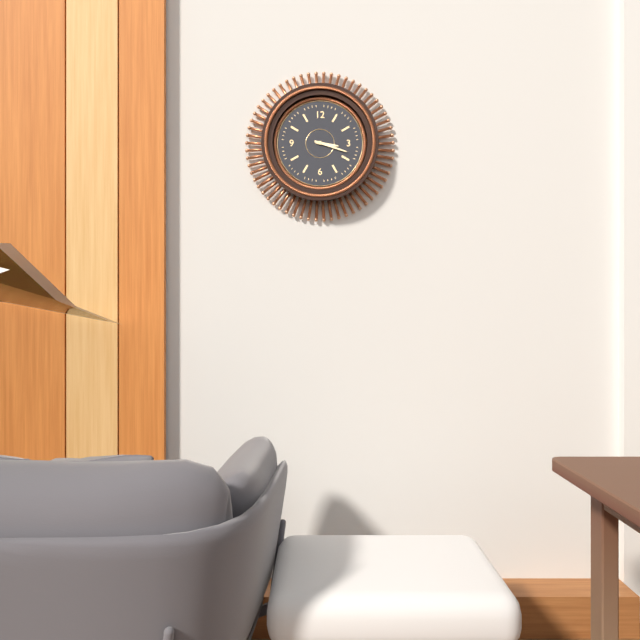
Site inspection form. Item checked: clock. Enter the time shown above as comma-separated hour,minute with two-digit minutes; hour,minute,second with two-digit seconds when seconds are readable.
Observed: 3,18
